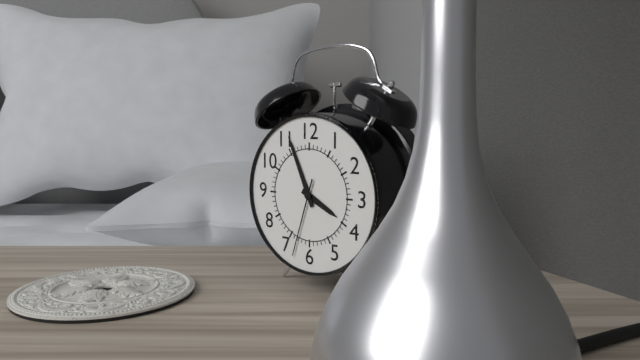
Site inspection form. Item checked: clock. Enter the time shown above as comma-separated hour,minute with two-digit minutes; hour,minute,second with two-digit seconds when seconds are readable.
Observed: 3,56,33
